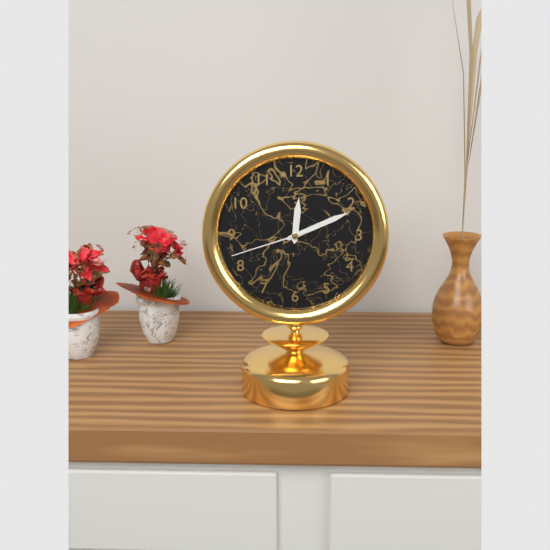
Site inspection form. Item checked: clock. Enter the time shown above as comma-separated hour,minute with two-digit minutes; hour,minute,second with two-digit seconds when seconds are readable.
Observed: 12,11,42
